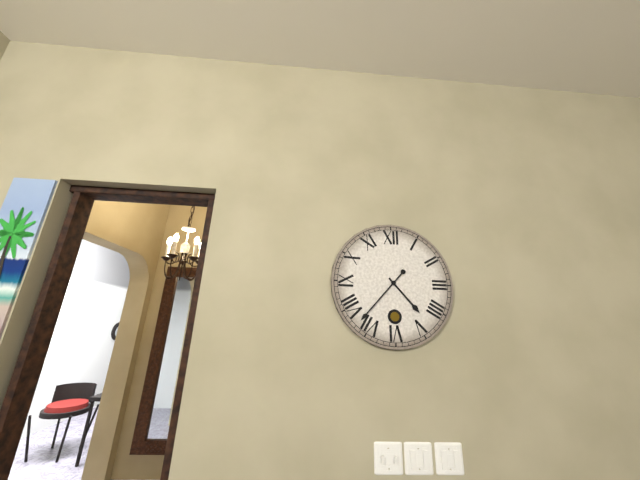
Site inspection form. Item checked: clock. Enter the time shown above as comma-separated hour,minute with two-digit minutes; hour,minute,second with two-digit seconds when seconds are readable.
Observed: 4,37
